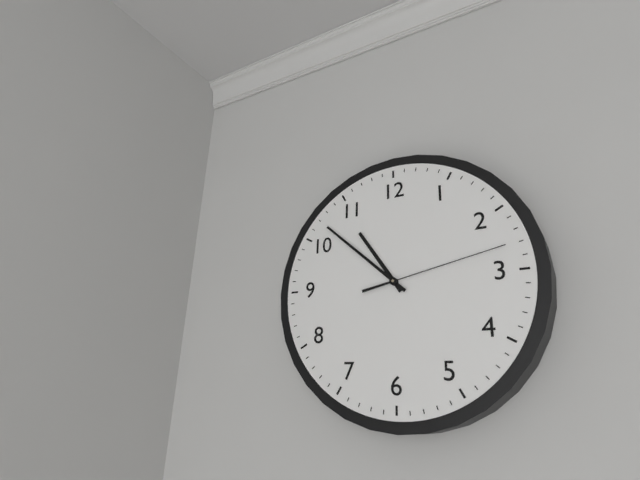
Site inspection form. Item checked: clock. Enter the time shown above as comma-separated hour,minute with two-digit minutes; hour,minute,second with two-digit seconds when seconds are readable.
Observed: 10,52,13
